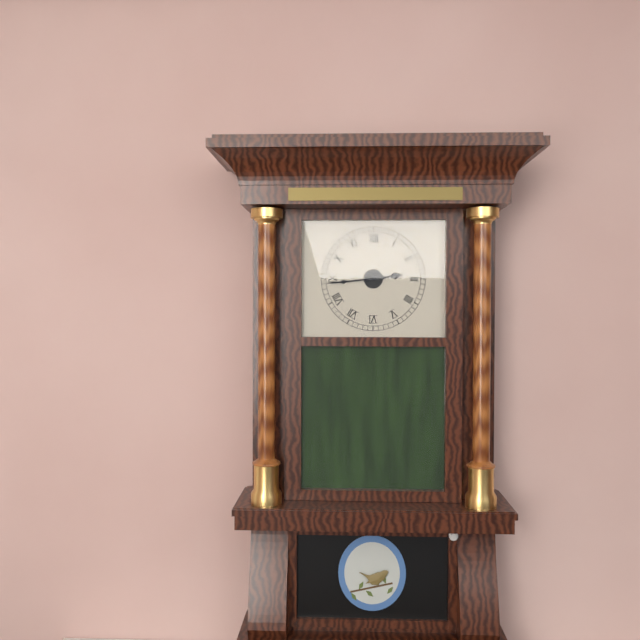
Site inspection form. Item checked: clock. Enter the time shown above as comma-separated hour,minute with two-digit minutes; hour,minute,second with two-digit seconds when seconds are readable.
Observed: 2,44
